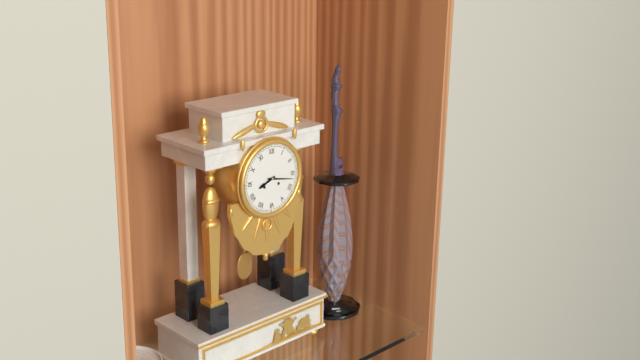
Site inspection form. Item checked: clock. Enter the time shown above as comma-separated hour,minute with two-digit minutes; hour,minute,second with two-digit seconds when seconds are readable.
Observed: 8,17
